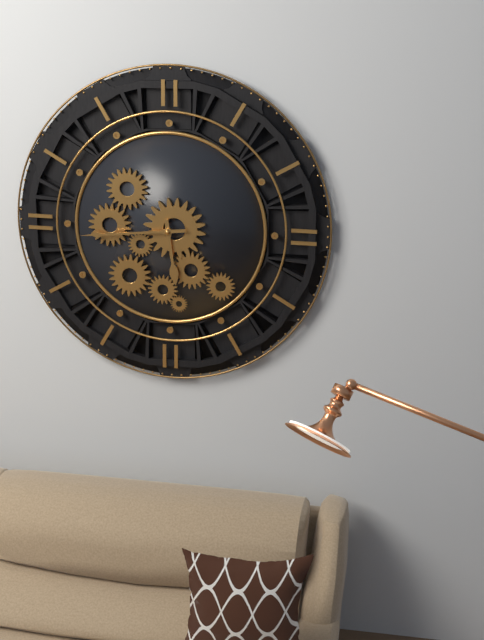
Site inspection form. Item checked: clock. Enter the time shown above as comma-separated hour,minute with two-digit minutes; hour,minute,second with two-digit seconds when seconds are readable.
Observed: 5,44
